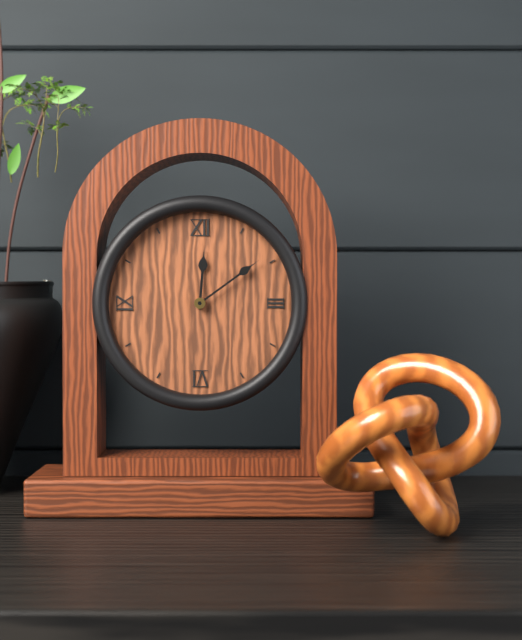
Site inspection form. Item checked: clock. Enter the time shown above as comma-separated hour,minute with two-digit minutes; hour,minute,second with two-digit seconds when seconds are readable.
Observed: 12,09
